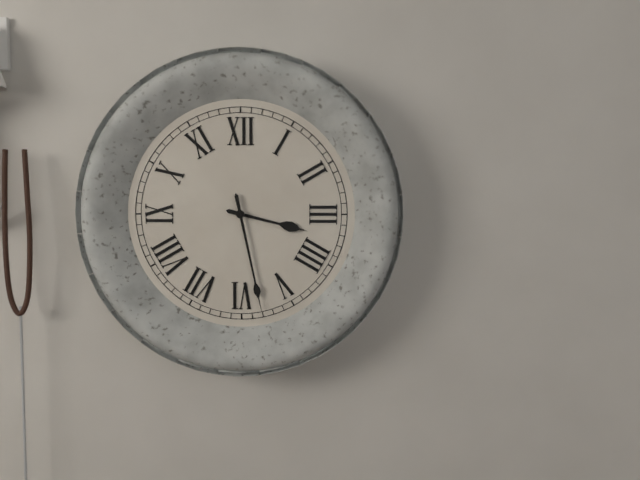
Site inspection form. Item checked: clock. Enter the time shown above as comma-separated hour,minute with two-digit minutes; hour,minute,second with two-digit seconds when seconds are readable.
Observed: 3,28
